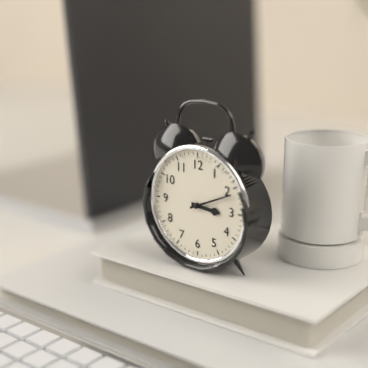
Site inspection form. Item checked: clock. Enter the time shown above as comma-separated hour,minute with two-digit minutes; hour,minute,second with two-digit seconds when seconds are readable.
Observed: 3,11
